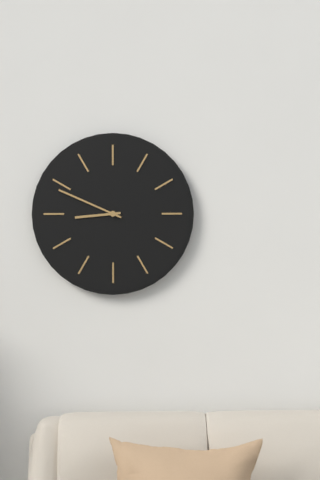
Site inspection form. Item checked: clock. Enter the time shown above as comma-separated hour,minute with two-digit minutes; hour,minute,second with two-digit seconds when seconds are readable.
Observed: 8,49
